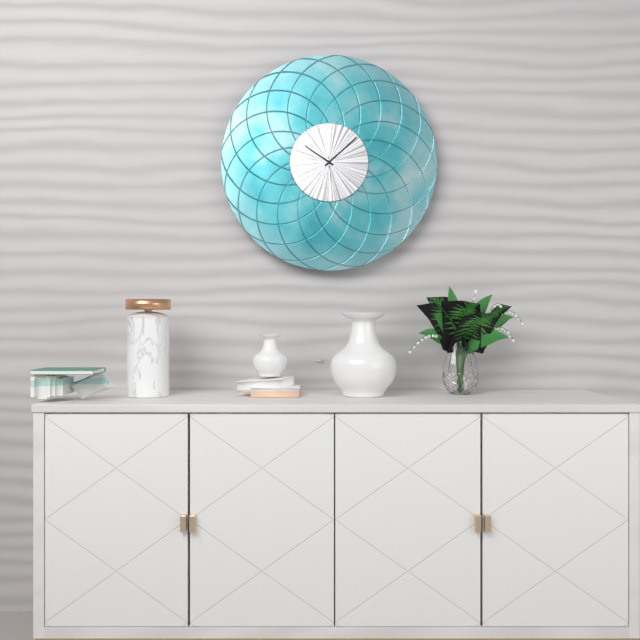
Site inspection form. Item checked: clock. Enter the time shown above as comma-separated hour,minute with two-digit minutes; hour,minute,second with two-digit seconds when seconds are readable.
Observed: 10,08
